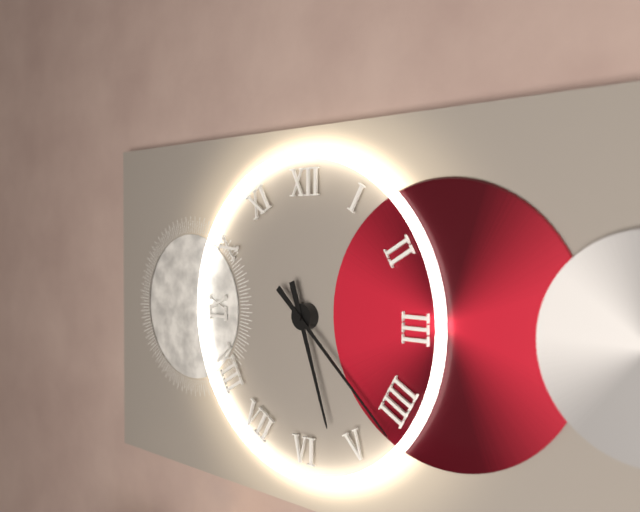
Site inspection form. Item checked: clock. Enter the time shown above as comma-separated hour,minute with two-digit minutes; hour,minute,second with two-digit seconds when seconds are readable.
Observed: 5,22
